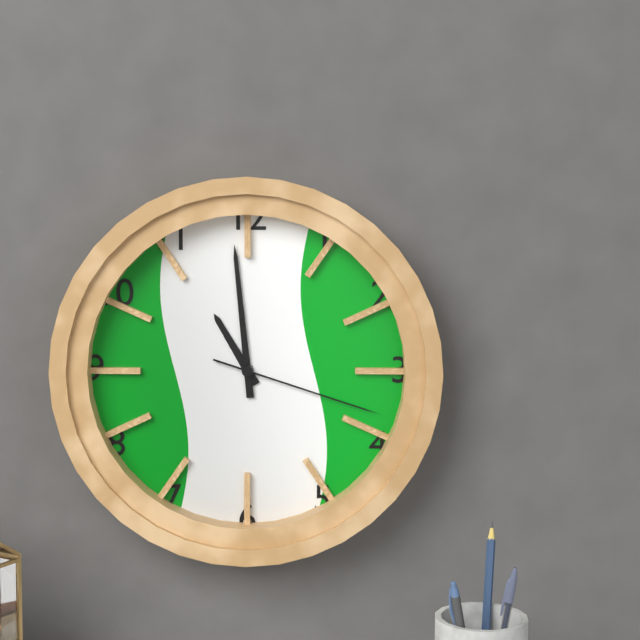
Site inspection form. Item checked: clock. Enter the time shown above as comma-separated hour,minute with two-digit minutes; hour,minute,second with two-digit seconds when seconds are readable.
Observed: 10,59,18
